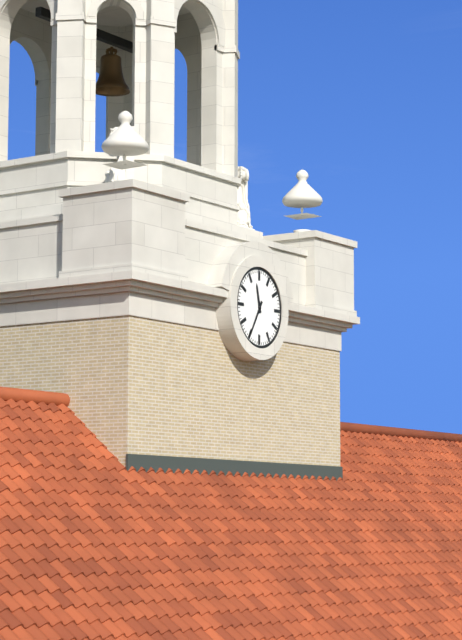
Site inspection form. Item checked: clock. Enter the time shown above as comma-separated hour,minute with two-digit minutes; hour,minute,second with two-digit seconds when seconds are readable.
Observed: 11,35
